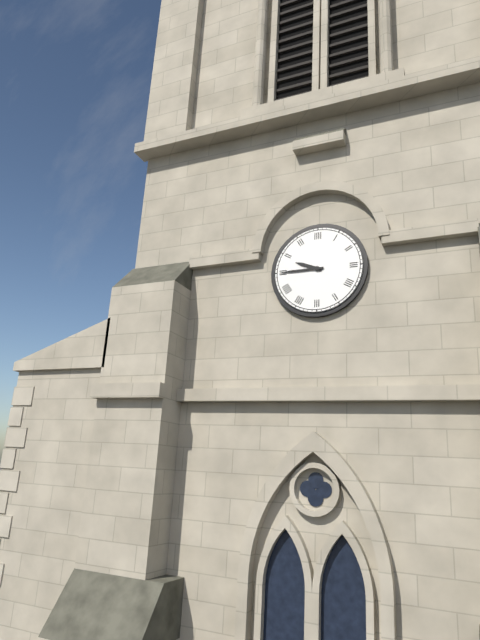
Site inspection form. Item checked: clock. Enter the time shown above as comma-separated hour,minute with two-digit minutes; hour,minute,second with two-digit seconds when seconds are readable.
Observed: 9,45
